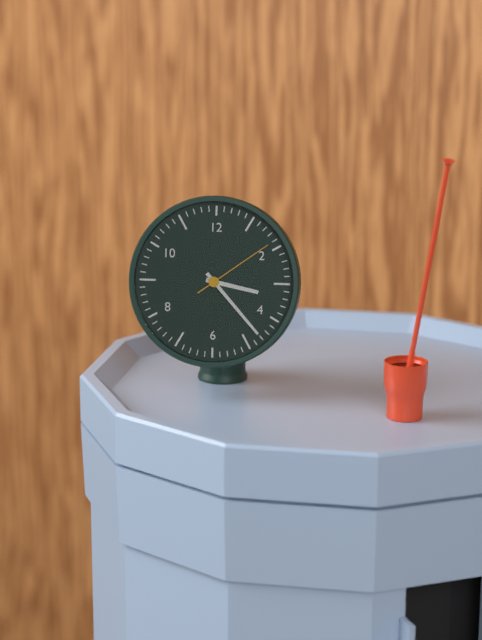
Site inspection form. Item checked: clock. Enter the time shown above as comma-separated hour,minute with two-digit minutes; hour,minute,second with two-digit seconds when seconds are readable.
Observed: 3,23,09
